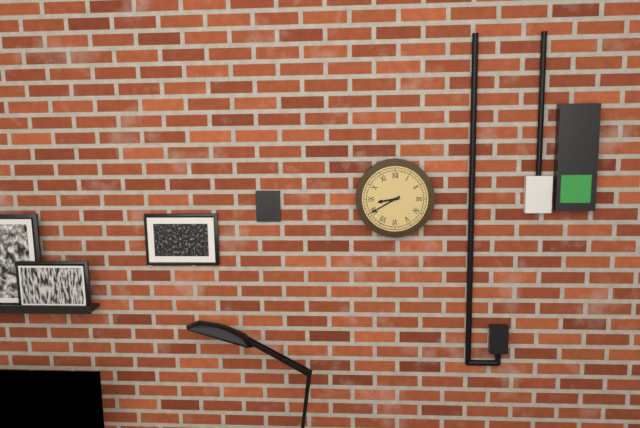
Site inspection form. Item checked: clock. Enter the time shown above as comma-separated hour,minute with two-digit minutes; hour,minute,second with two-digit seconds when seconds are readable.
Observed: 8,40
